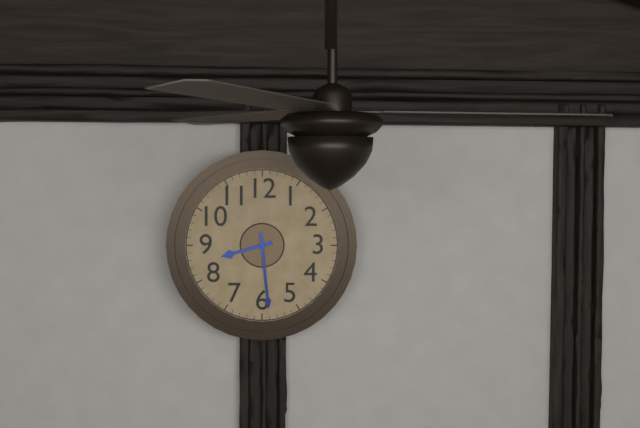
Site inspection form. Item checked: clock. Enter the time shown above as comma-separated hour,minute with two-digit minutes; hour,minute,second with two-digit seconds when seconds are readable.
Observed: 8,29
